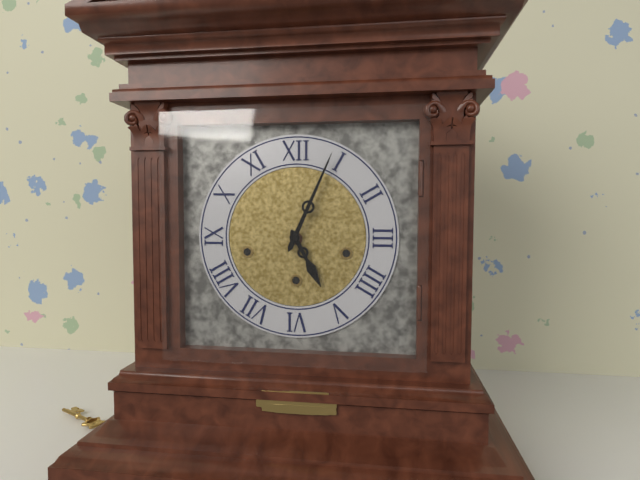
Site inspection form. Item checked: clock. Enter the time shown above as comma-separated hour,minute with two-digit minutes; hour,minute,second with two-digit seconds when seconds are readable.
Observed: 5,04
